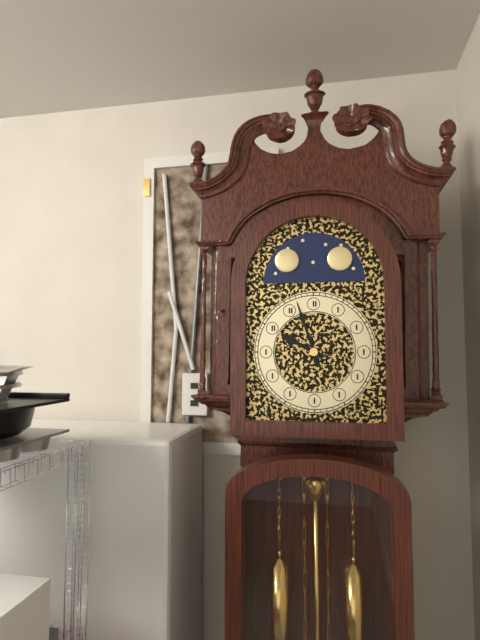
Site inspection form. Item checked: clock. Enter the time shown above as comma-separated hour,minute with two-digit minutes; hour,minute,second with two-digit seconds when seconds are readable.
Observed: 9,57
